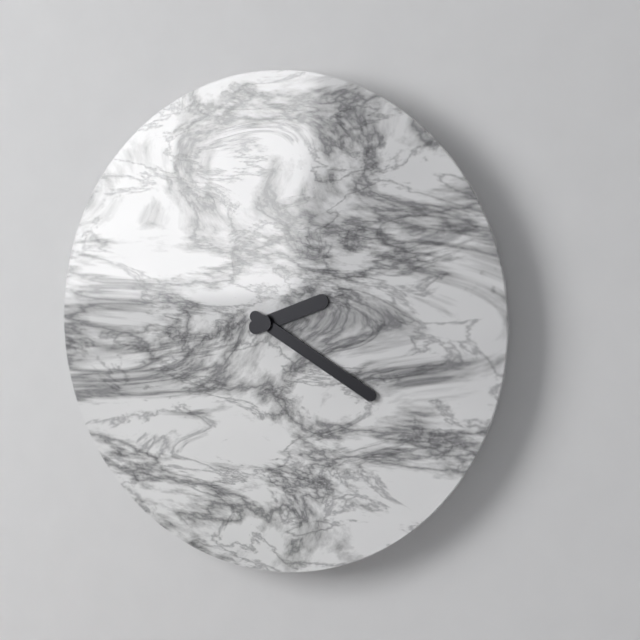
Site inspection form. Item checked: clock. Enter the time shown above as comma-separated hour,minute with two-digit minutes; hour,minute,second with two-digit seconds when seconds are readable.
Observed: 2,20
